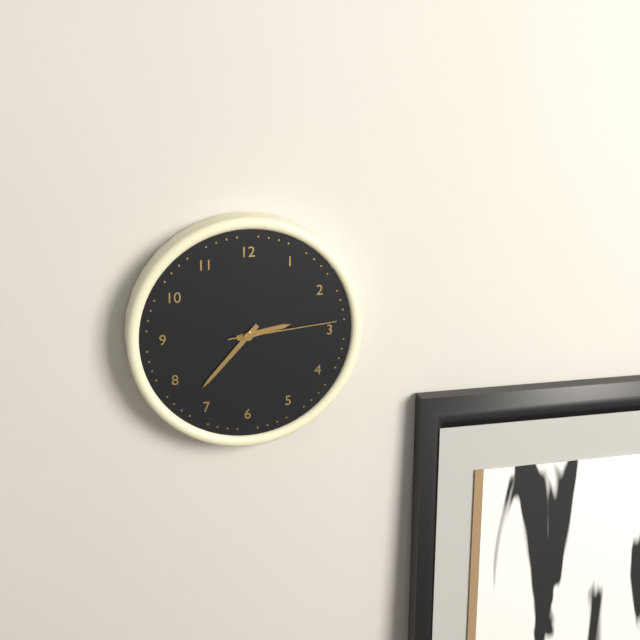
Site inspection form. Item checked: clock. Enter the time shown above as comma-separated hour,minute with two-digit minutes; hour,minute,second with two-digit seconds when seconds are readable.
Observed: 2,37,14
